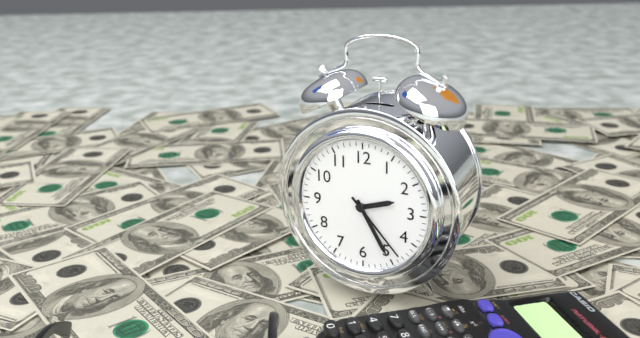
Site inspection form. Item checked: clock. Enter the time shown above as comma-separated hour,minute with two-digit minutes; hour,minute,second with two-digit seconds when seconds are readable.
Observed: 2,25,23
